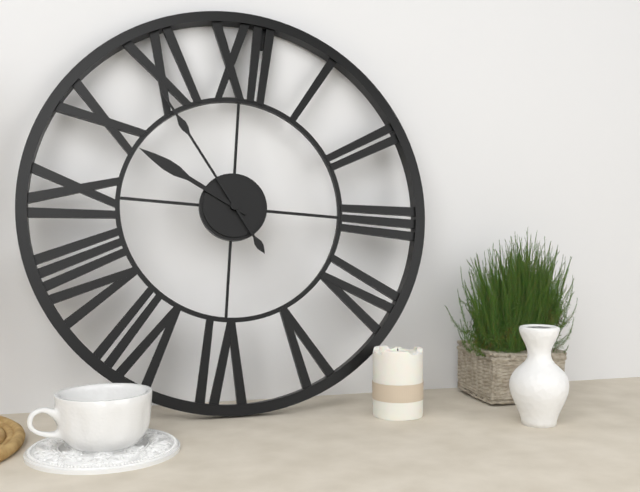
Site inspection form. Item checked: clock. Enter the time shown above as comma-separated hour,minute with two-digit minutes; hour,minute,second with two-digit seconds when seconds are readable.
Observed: 9,54
